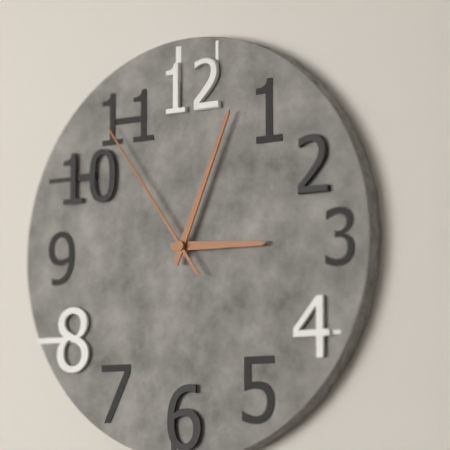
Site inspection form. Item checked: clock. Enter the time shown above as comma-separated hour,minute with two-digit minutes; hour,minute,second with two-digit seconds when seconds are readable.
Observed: 3,04,54
